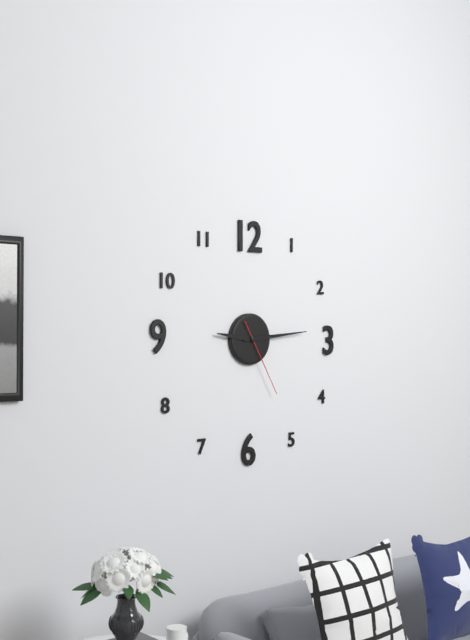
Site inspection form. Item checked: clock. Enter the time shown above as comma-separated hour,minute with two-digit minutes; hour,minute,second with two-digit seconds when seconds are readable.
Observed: 9,14,25
